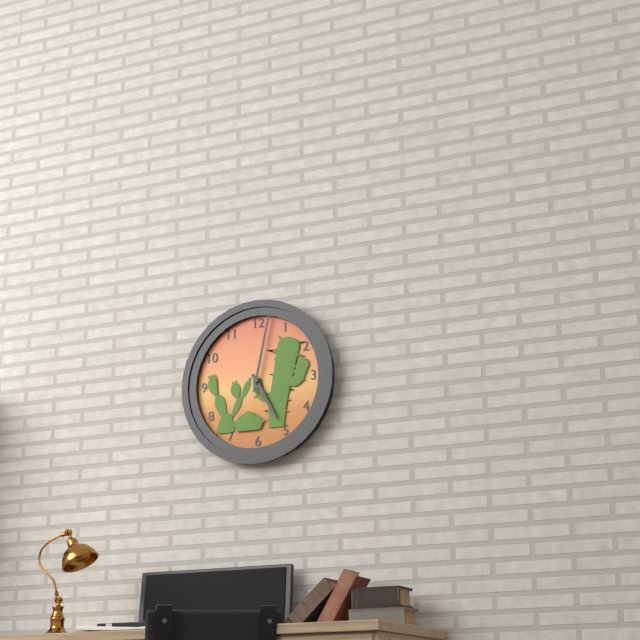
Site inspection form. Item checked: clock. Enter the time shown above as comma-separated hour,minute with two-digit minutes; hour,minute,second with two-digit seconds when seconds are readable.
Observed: 5,02
